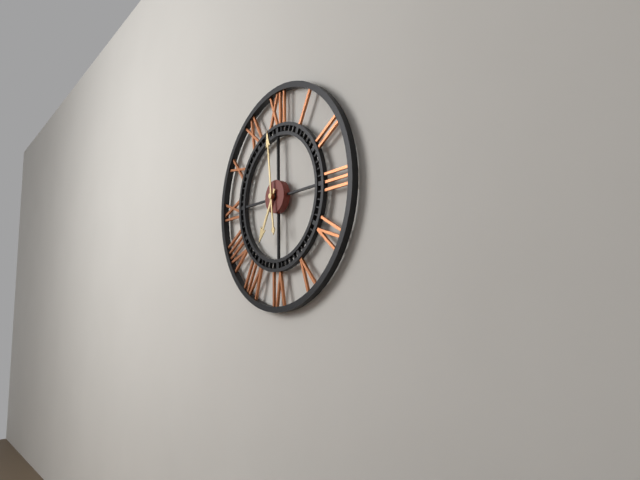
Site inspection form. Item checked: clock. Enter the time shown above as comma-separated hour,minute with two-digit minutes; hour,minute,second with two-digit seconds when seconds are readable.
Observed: 6,59
